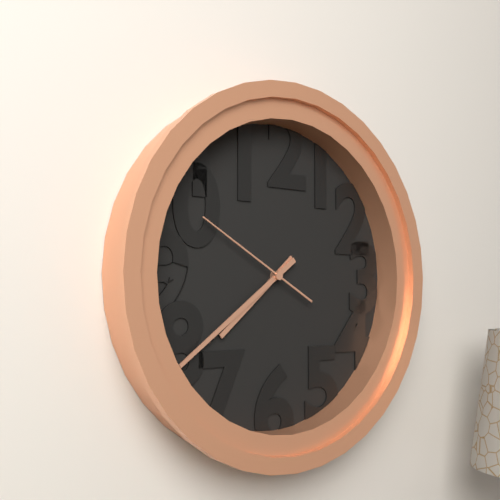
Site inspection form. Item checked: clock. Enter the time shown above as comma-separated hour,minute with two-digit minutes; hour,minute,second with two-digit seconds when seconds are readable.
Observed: 7,39,50
